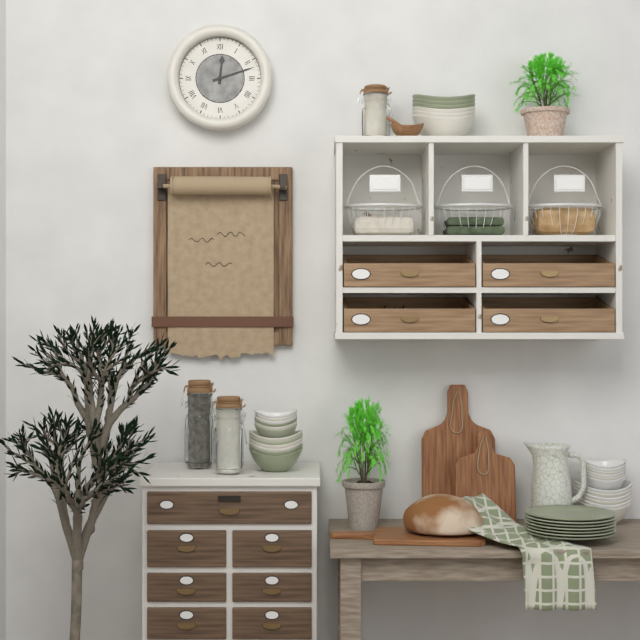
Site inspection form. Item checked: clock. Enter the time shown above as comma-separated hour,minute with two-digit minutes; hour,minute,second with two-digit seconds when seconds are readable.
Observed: 12,12
